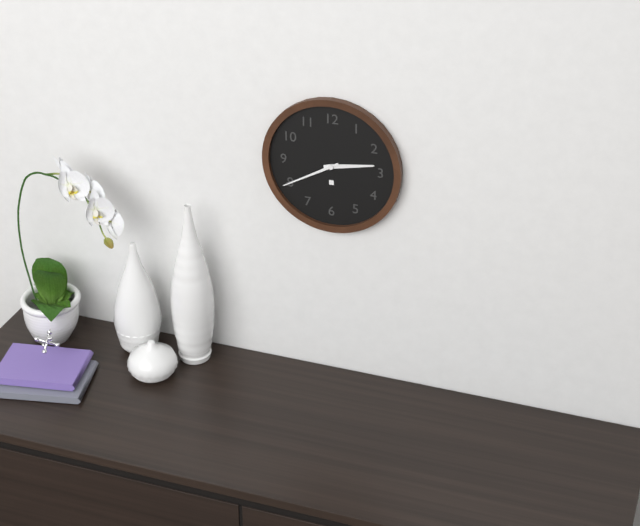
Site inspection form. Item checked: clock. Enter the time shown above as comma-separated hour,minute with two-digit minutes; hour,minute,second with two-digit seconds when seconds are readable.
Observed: 2,40
